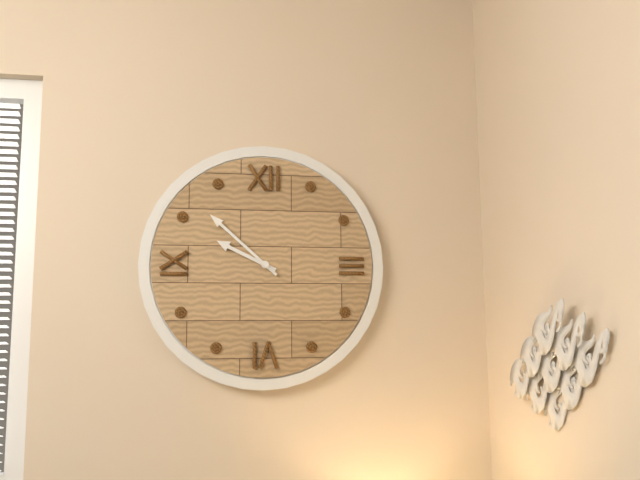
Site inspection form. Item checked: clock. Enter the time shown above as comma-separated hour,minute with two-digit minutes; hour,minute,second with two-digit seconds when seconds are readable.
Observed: 9,52
